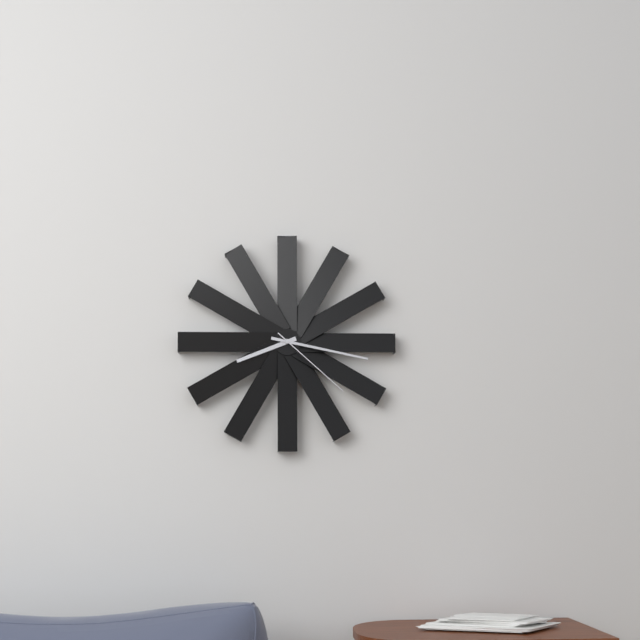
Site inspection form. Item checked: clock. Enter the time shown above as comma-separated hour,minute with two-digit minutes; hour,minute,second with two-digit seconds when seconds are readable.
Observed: 8,17,22
